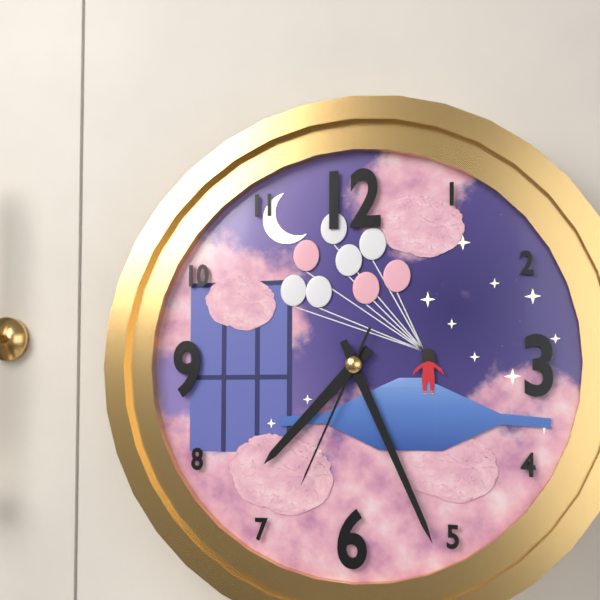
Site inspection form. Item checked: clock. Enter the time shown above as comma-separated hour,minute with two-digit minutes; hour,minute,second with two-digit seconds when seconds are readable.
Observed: 7,26,34
